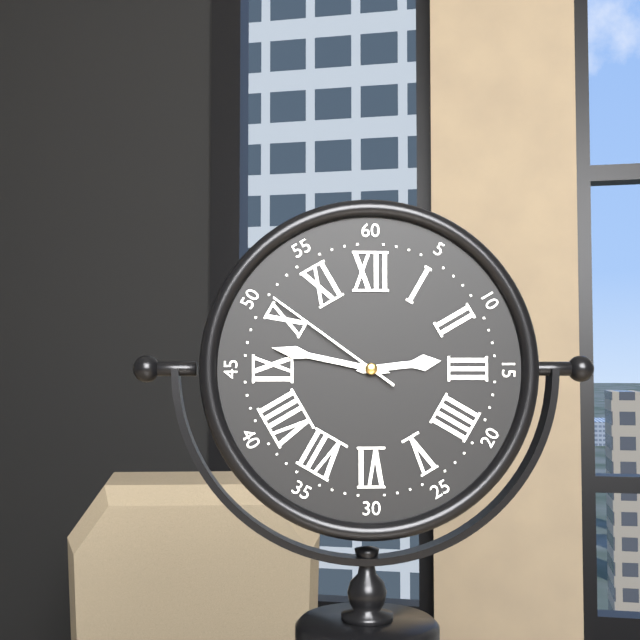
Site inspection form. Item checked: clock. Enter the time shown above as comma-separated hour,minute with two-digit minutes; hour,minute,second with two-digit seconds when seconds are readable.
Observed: 2,47,51
